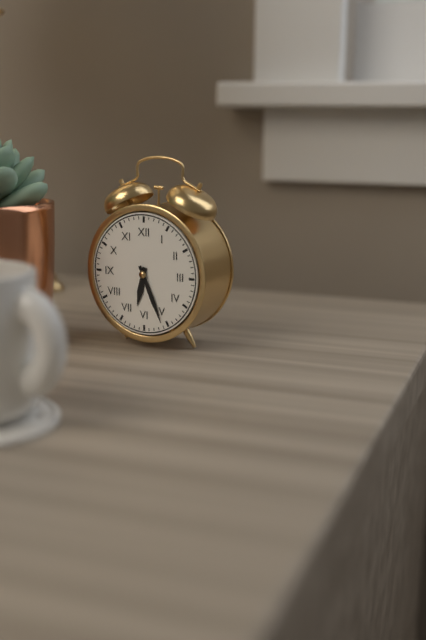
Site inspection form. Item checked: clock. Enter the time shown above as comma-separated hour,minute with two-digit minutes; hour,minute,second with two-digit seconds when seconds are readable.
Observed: 6,26
